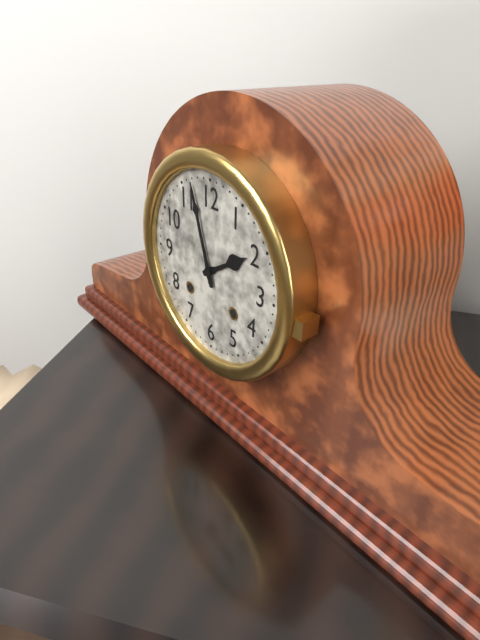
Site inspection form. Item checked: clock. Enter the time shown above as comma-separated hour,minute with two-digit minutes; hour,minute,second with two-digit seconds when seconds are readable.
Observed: 1,57
